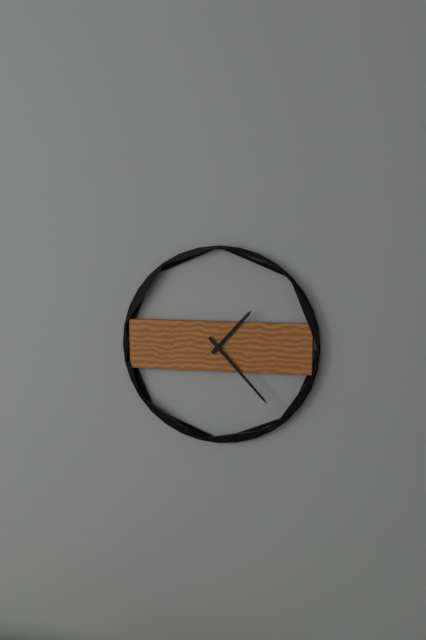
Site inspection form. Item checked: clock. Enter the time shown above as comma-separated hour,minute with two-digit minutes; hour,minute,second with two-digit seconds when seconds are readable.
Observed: 1,23
